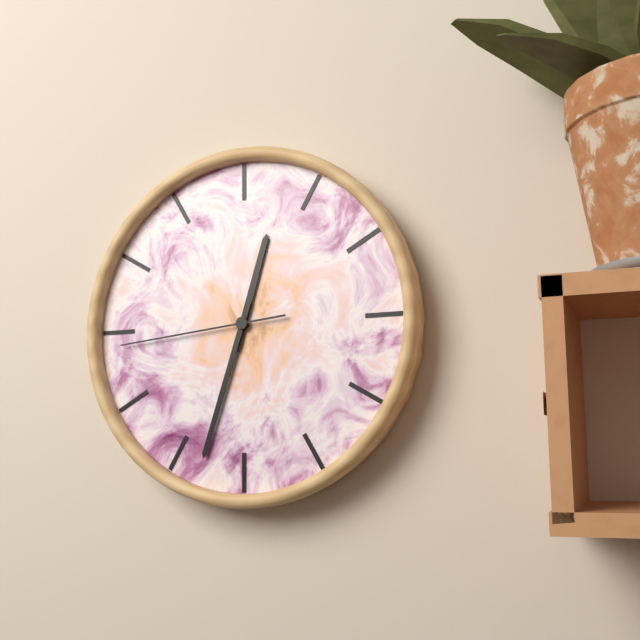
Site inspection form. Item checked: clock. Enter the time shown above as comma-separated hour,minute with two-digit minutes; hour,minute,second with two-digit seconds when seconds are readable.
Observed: 12,33,44
